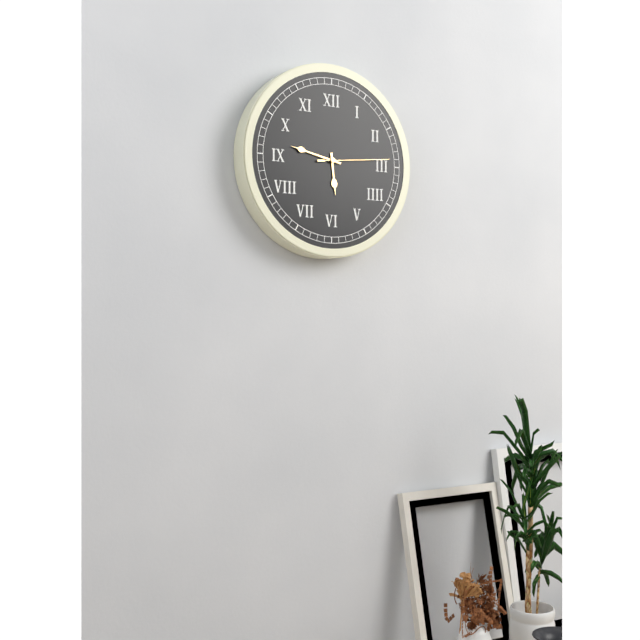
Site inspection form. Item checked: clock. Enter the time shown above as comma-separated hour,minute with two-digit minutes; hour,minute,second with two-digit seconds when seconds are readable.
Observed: 5,47,14
